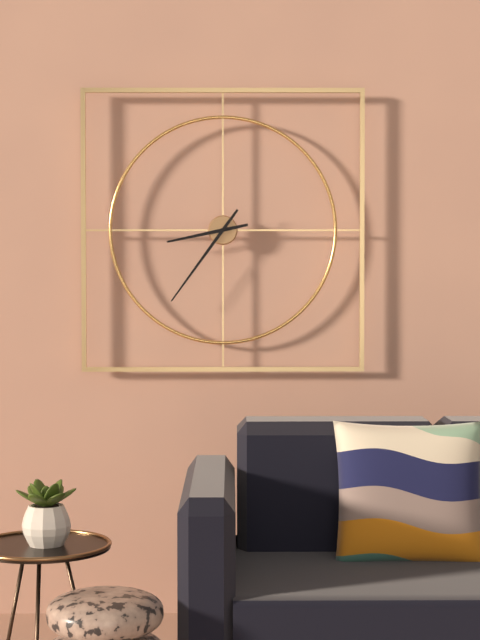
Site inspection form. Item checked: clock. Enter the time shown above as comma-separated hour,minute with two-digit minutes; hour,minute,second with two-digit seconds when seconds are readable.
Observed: 8,36
